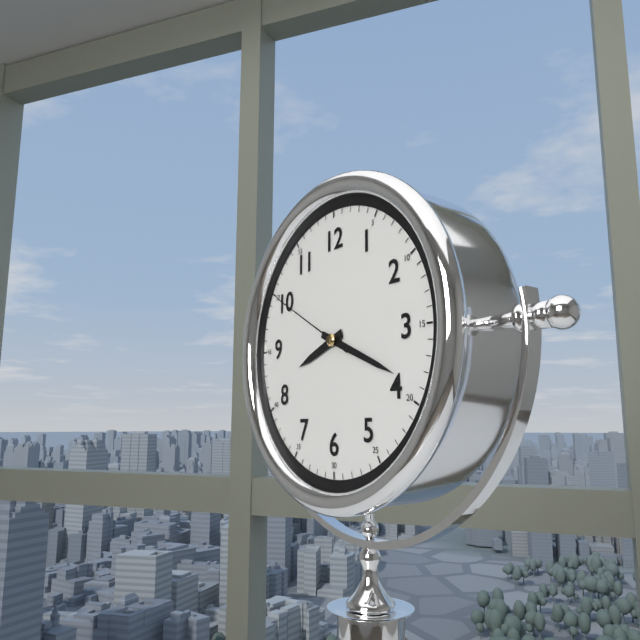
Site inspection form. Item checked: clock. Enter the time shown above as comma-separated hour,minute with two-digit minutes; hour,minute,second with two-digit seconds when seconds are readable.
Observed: 8,19,50
